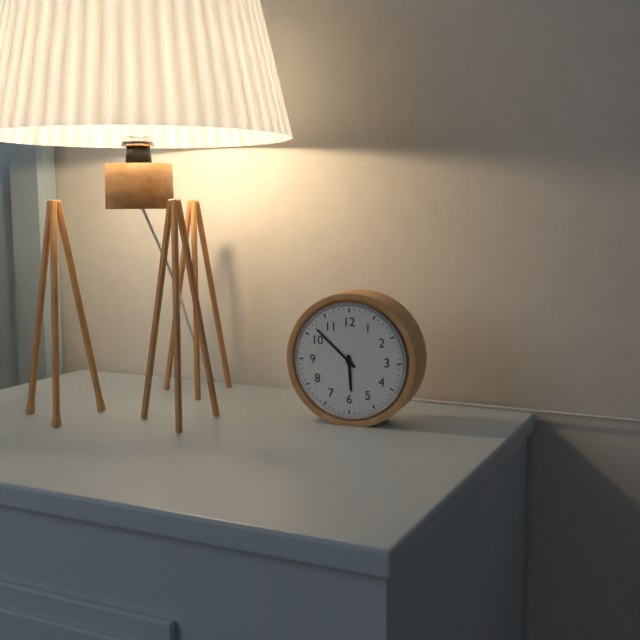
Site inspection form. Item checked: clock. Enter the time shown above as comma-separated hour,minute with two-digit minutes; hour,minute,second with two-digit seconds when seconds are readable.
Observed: 5,52
